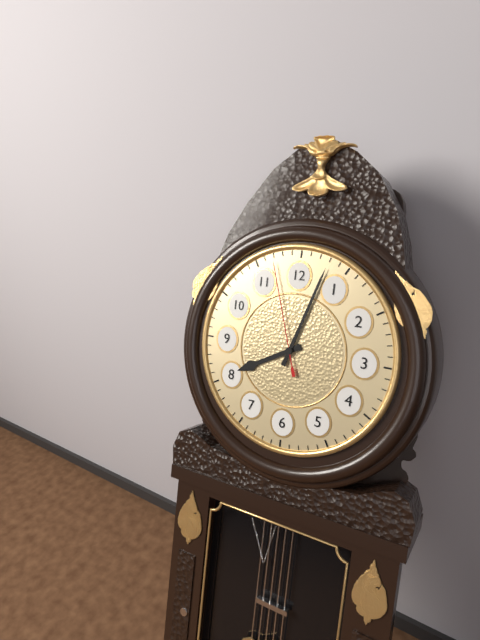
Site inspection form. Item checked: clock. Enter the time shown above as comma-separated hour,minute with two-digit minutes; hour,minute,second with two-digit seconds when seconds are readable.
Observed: 8,03,57
